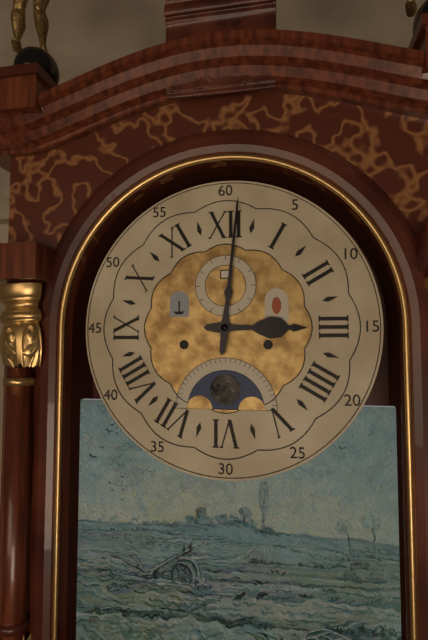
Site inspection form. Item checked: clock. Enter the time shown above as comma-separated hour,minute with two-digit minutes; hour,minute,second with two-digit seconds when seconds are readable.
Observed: 3,01
